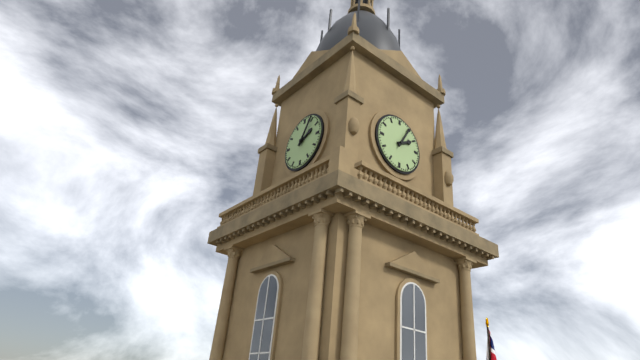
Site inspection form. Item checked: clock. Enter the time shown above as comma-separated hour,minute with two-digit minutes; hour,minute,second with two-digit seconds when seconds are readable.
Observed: 2,05
